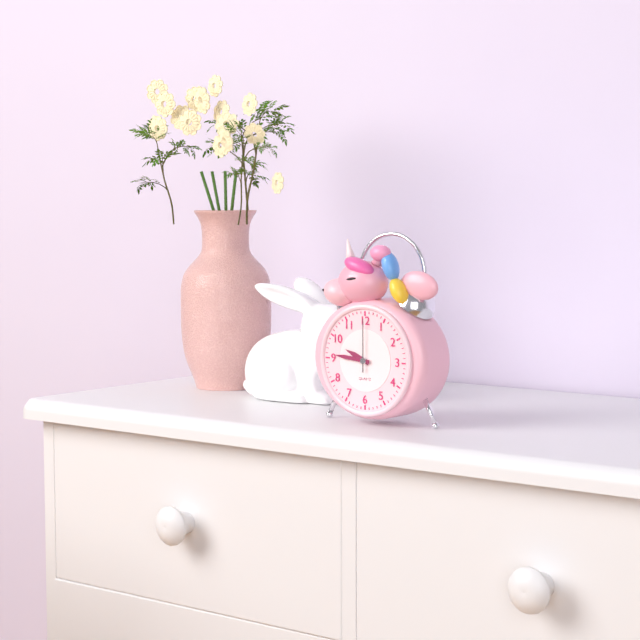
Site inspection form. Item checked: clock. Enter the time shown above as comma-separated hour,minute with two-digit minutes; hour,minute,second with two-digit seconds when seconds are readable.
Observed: 9,46,00
